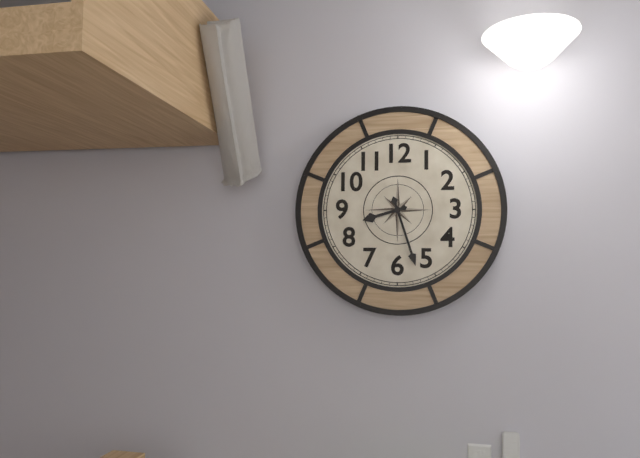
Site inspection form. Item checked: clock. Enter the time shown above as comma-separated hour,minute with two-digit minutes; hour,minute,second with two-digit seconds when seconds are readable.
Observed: 8,27
